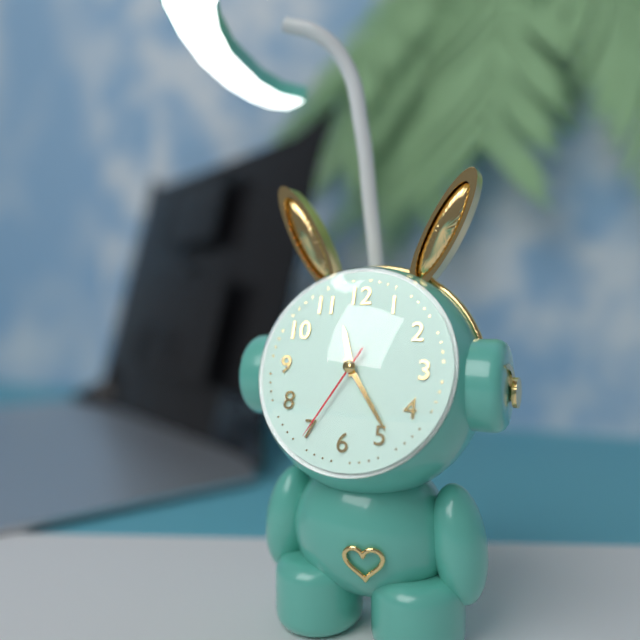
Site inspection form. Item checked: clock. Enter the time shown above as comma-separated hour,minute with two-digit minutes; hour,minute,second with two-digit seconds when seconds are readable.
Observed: 11,24,35
